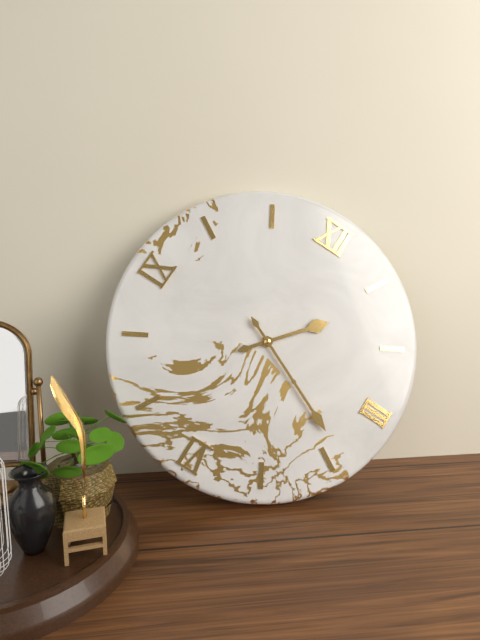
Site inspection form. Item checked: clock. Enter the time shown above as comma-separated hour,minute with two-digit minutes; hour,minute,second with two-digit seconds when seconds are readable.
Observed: 1,19
